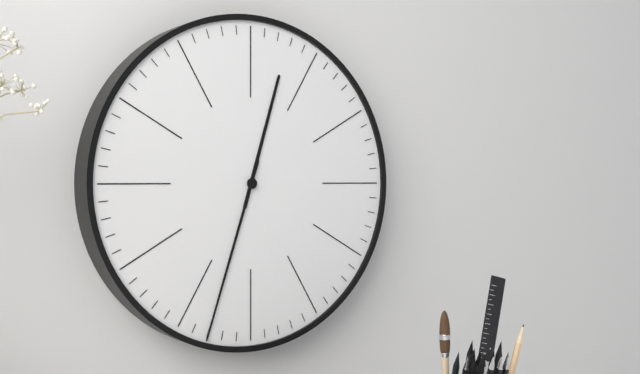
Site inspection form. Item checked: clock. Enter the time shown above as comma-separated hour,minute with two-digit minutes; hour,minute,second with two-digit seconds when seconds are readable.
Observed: 12,33
